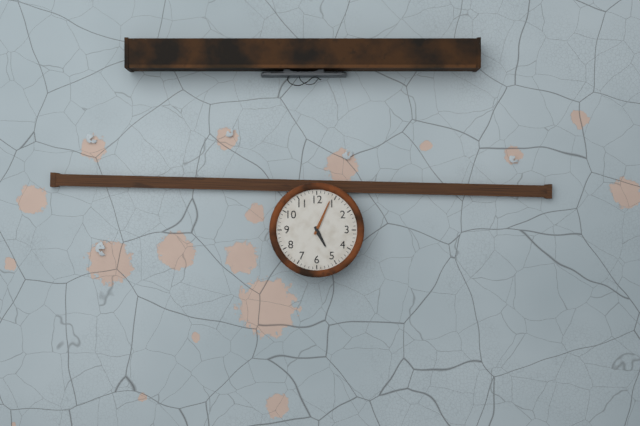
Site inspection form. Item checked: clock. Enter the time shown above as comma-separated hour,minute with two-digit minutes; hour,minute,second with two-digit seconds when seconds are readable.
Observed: 5,04
